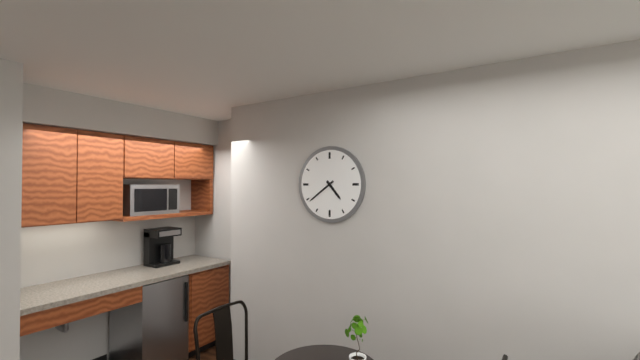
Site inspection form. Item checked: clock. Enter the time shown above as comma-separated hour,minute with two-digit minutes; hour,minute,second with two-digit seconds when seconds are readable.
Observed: 4,39
